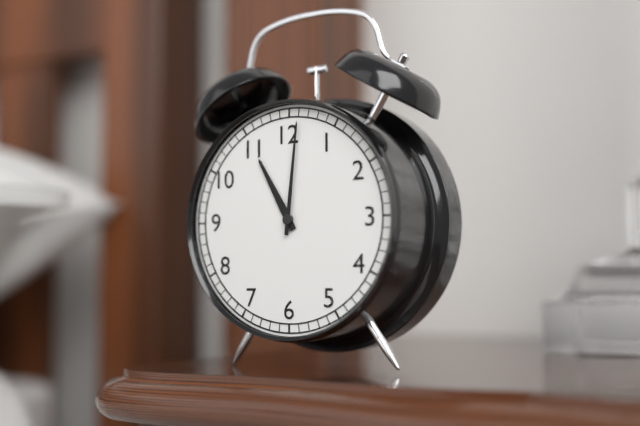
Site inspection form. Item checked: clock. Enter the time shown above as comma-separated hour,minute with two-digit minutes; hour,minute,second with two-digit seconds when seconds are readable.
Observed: 11,01
